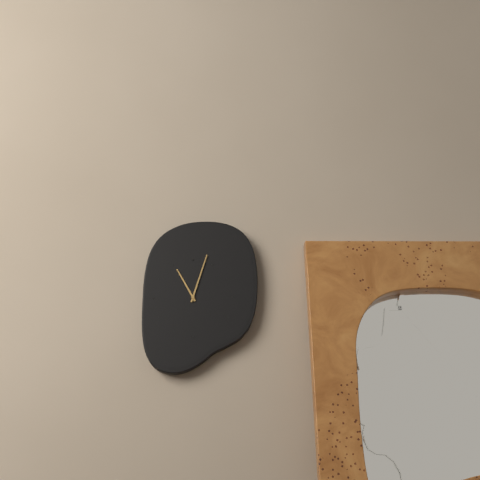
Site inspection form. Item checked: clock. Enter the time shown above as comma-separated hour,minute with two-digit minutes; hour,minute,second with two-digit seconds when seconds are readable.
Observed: 11,03
